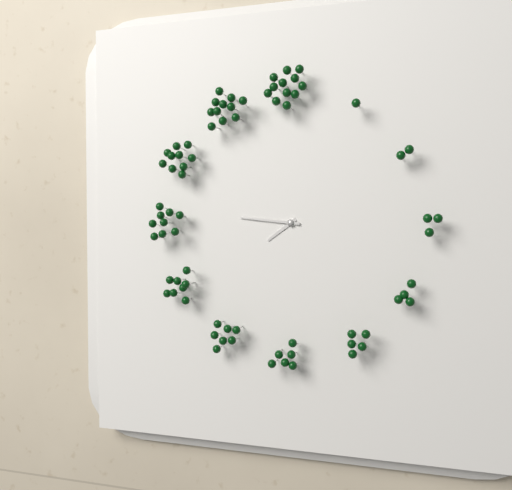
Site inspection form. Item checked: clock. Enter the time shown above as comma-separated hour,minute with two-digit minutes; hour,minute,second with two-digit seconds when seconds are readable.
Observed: 7,46
